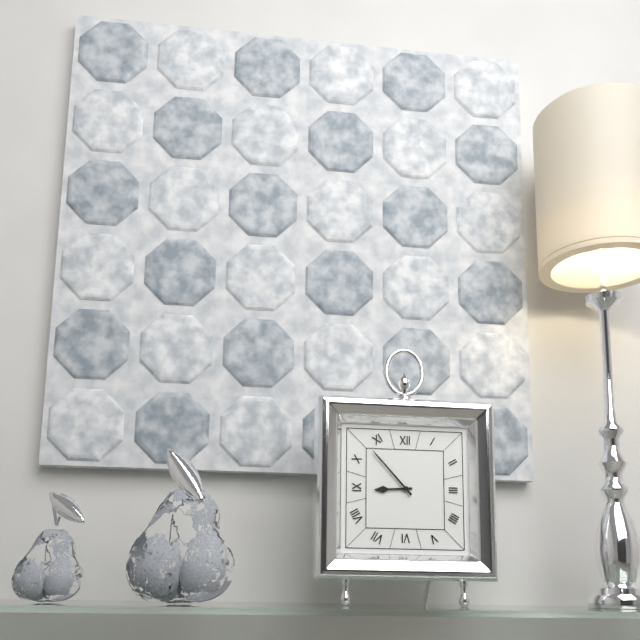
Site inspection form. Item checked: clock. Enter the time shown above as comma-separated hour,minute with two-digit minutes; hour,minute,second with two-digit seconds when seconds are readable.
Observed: 8,53
